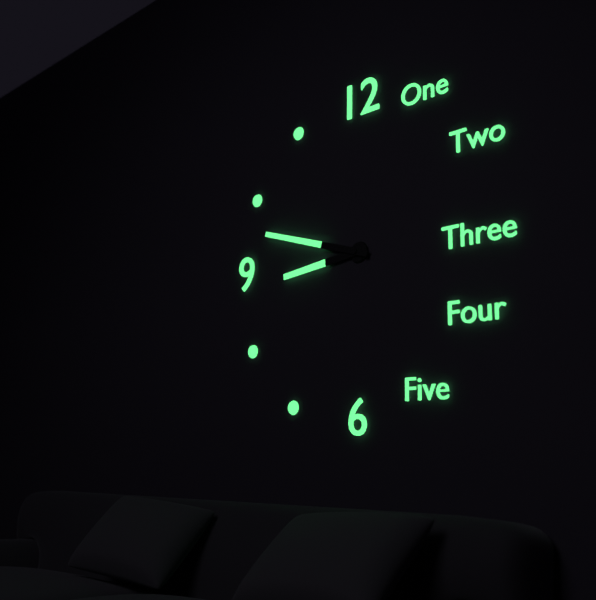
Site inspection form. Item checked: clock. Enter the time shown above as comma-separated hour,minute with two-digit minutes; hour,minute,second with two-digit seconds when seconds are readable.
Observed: 8,48
